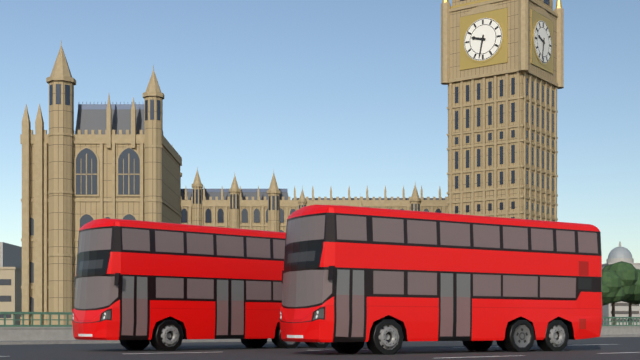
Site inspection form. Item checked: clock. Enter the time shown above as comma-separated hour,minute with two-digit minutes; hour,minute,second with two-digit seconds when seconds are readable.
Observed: 9,32
